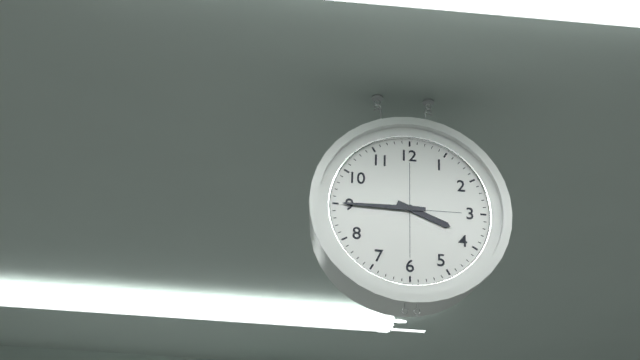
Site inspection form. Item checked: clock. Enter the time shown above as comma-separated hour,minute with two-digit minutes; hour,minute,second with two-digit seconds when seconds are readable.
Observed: 3,45
